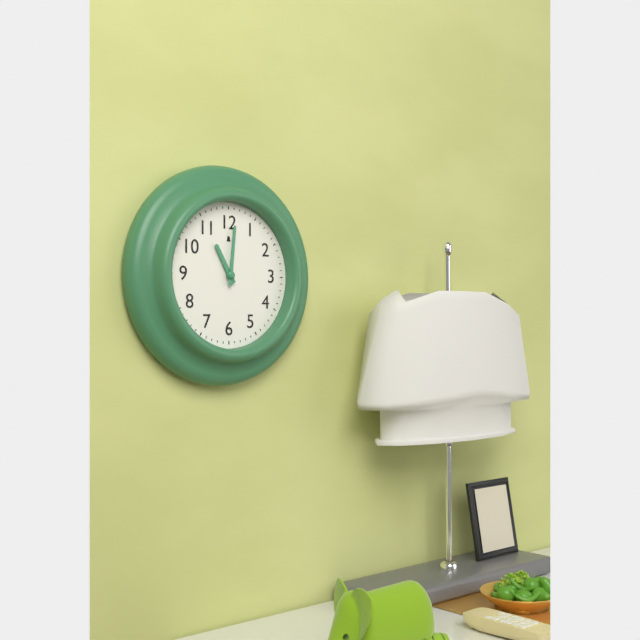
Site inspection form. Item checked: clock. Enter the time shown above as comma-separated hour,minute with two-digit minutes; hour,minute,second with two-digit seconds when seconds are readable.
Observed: 11,01
